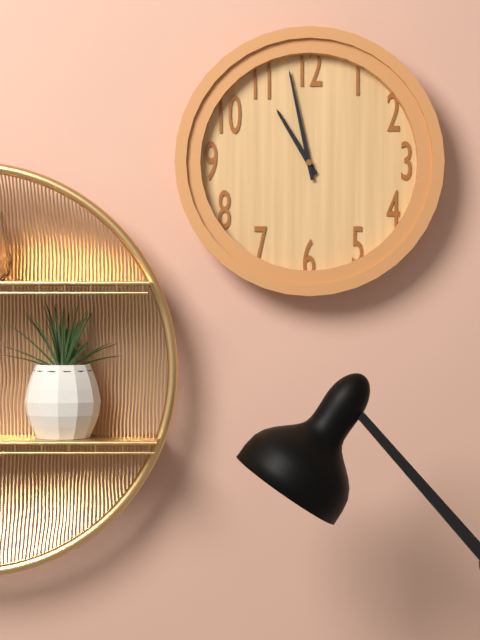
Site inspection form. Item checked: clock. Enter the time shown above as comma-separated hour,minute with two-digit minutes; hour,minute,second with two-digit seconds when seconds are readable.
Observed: 10,58
